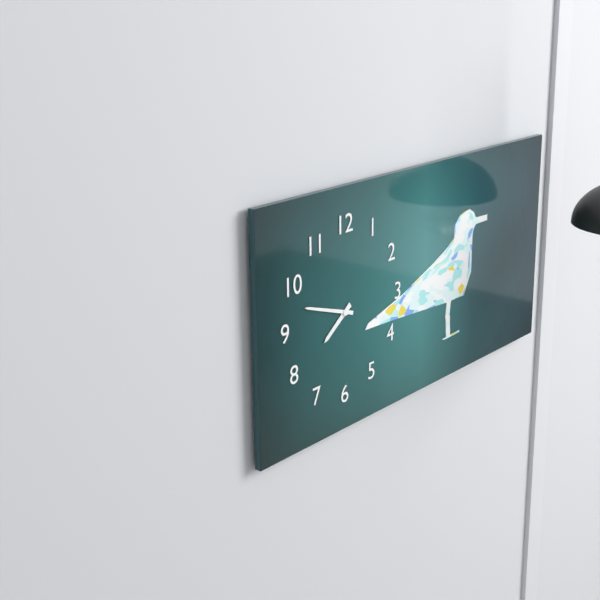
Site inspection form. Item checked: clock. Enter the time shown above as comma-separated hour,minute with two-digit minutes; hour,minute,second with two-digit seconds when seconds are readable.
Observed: 7,48
